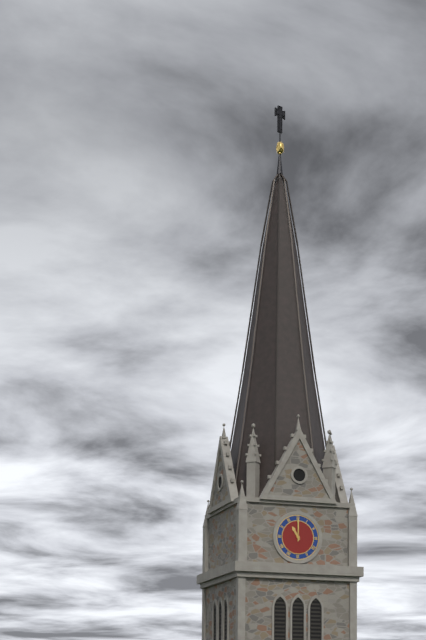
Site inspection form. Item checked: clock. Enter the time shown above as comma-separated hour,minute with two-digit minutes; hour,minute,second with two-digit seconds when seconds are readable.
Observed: 11,00
